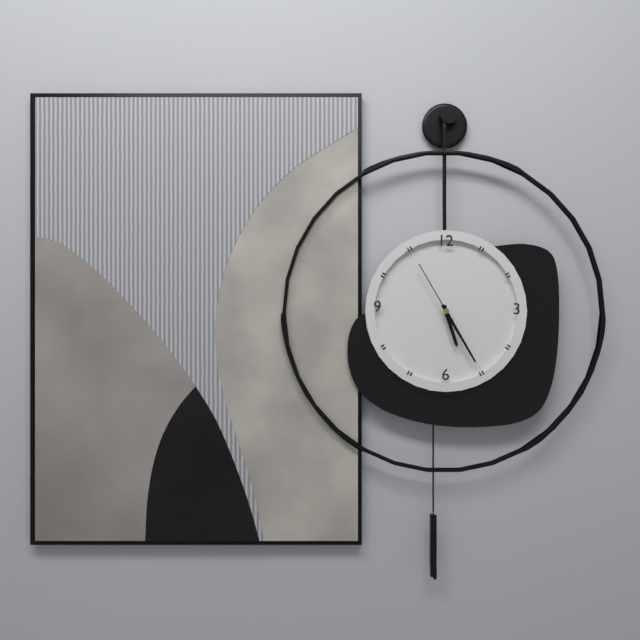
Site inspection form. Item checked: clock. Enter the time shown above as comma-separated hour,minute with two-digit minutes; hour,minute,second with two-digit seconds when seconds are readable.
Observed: 5,25,55
